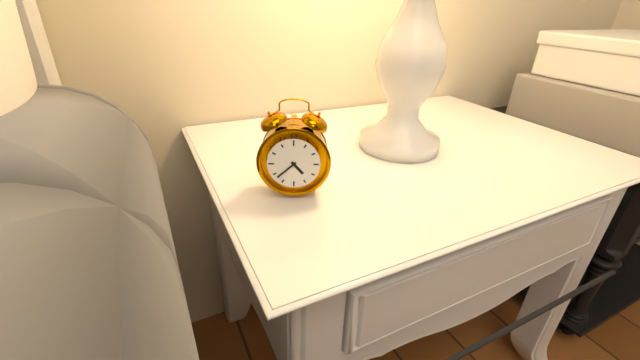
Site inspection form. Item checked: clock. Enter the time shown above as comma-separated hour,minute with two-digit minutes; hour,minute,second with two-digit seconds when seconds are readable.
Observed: 4,38
